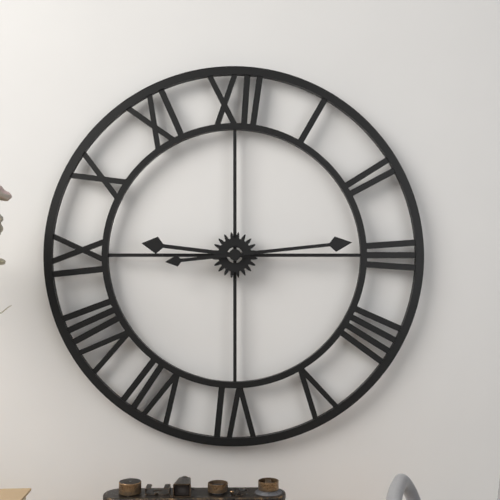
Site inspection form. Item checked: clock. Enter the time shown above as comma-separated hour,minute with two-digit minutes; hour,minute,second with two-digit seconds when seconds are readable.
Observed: 9,14
